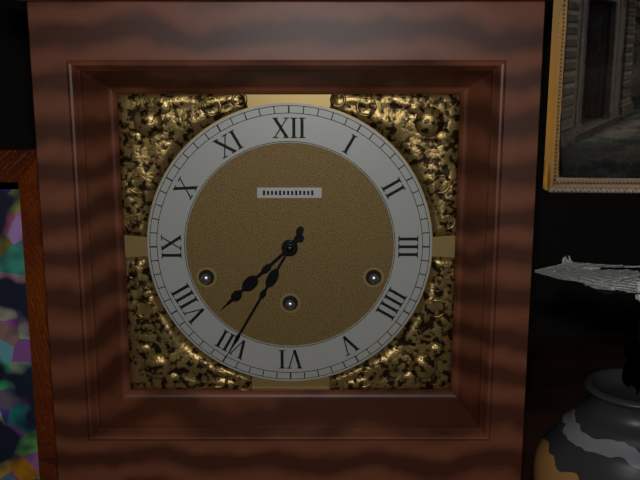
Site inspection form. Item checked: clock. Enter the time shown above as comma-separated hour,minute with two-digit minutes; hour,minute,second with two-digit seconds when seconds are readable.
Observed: 7,35
